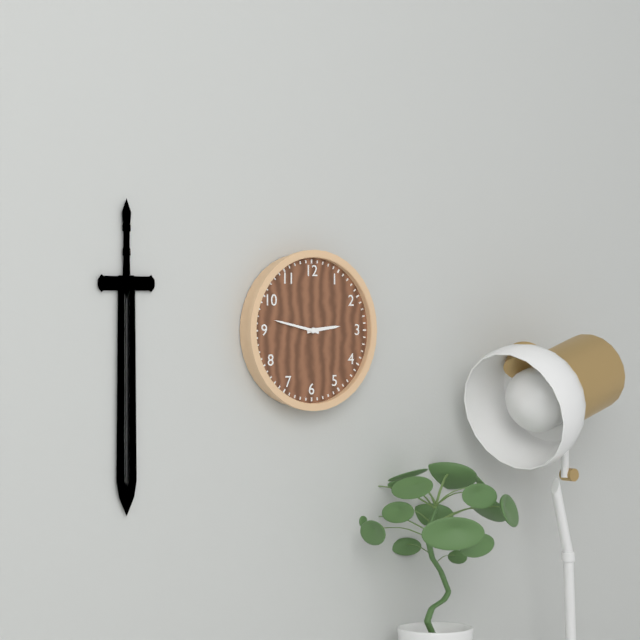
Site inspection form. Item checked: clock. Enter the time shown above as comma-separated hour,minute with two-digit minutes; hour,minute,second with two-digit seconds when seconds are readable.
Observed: 2,47
